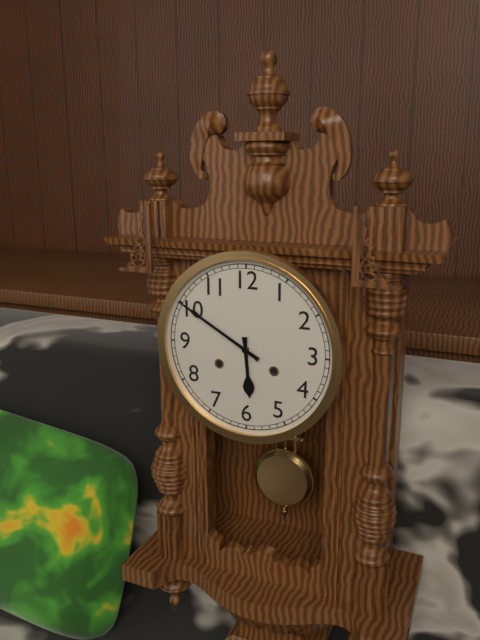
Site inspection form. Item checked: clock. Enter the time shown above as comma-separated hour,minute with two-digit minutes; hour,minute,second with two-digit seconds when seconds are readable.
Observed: 5,50
